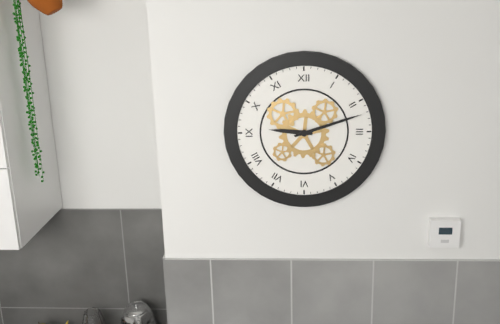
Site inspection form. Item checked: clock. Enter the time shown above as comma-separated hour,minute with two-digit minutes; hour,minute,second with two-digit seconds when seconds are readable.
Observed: 9,12
